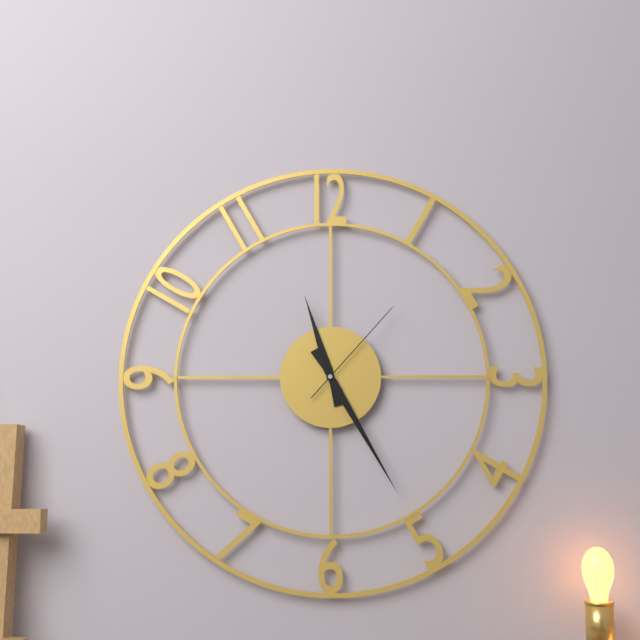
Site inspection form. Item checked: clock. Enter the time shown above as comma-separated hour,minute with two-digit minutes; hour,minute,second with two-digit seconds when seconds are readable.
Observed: 11,25,07
